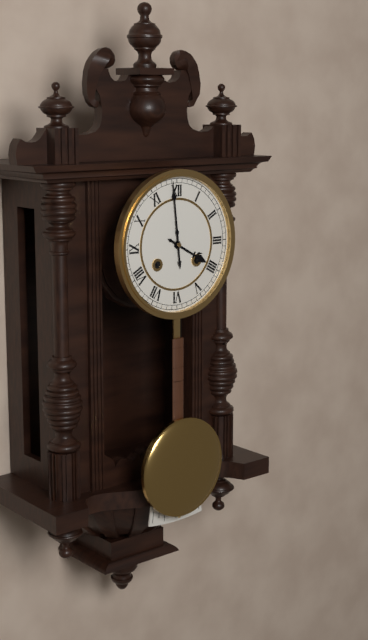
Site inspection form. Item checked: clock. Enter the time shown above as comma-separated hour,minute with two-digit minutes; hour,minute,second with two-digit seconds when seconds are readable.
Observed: 3,59
